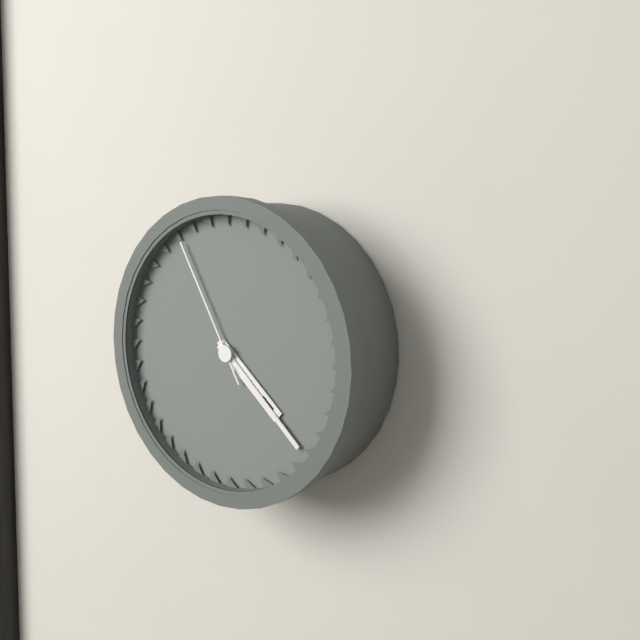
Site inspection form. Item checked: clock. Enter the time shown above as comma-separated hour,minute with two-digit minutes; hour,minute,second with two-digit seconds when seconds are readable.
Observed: 4,22,55
